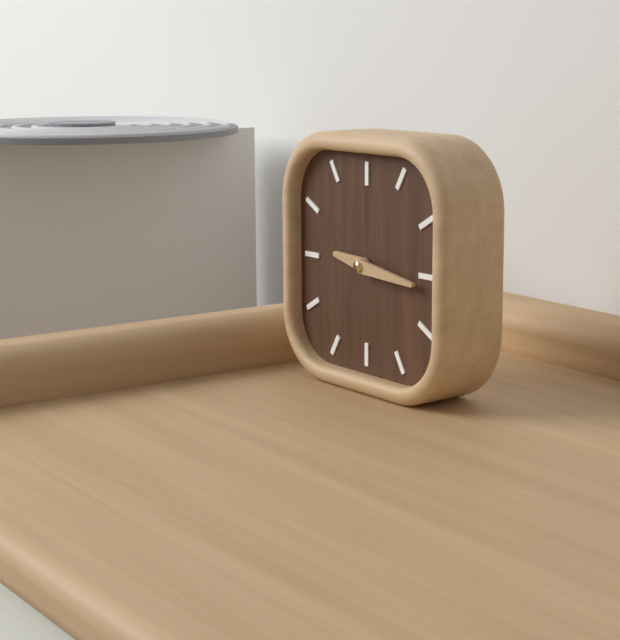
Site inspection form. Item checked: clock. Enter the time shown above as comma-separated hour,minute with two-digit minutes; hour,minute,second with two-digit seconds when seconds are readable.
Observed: 9,16
